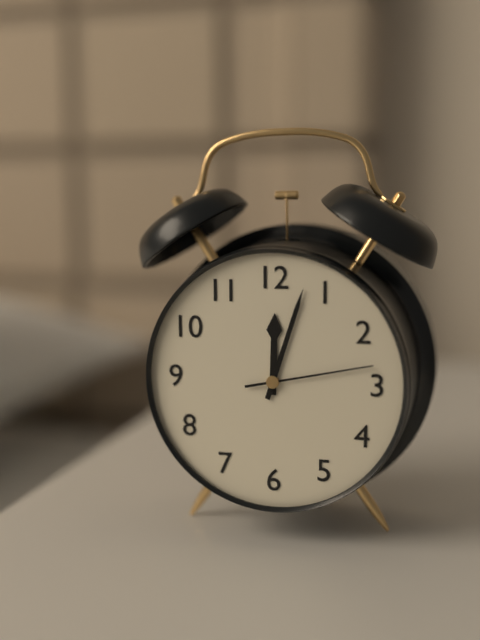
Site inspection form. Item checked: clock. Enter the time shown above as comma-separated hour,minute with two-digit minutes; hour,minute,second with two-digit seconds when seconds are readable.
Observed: 12,03,13
